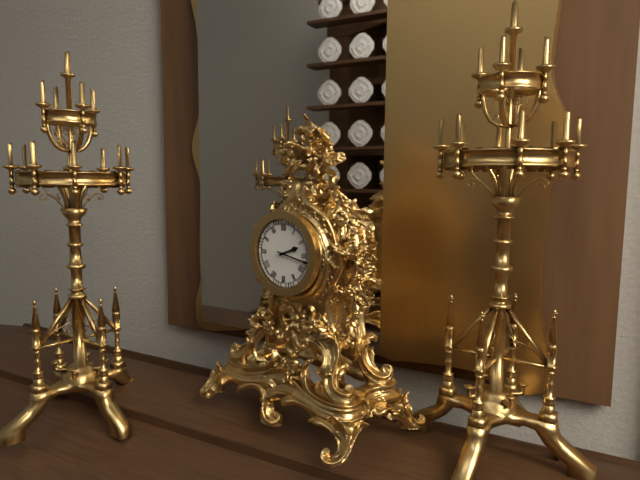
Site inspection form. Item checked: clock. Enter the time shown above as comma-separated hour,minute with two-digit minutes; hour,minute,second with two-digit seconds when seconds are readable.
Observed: 2,17
